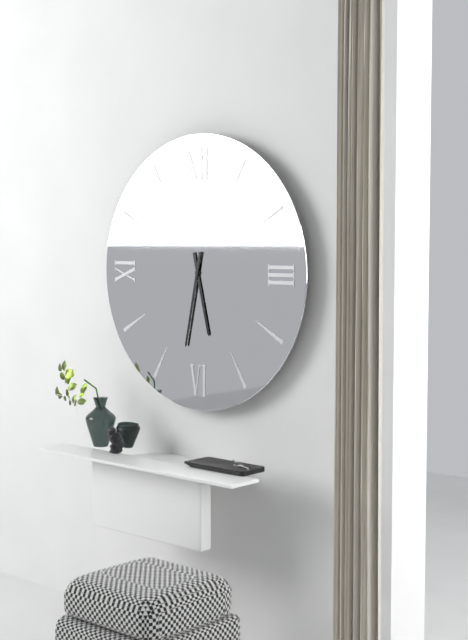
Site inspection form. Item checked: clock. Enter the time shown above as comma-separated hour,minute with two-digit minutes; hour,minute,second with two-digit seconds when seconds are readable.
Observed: 5,32
